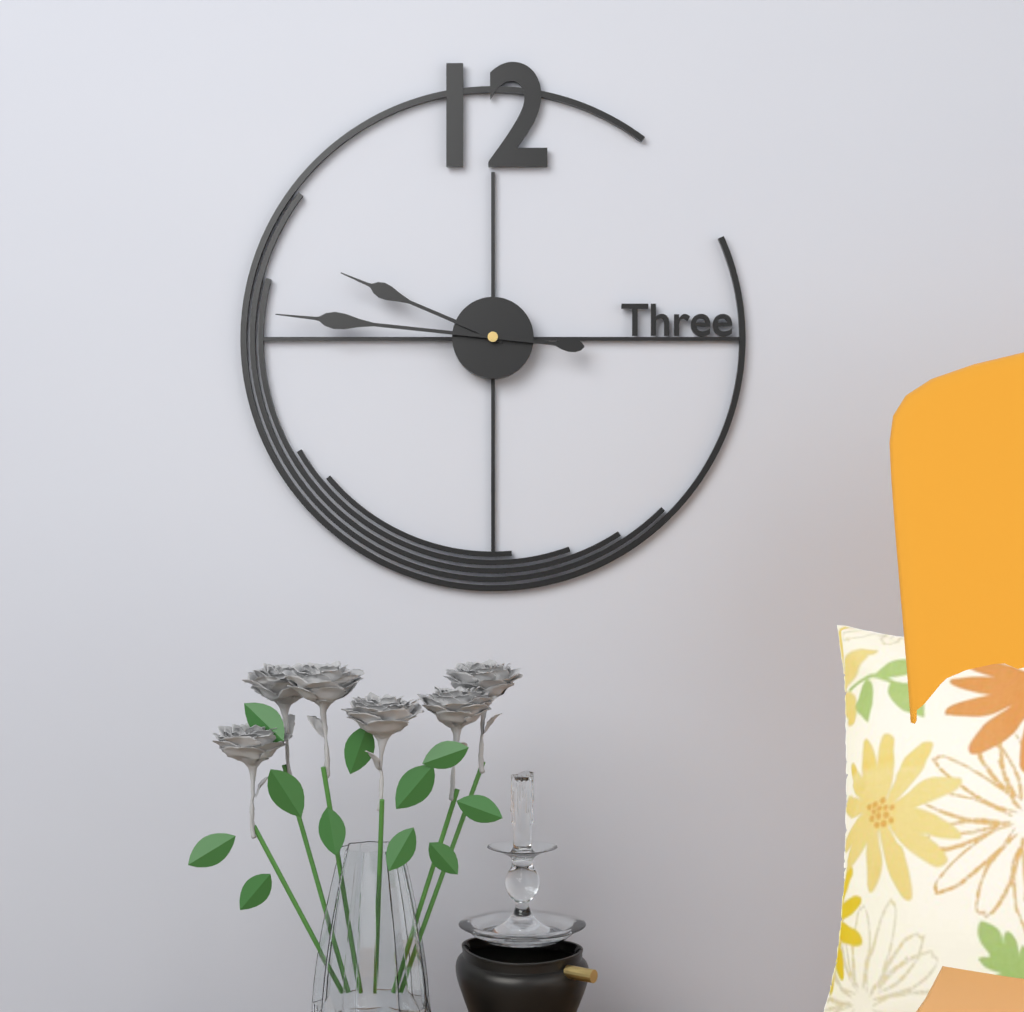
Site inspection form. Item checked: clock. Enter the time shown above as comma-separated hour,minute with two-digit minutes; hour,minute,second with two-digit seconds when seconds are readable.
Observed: 9,46
